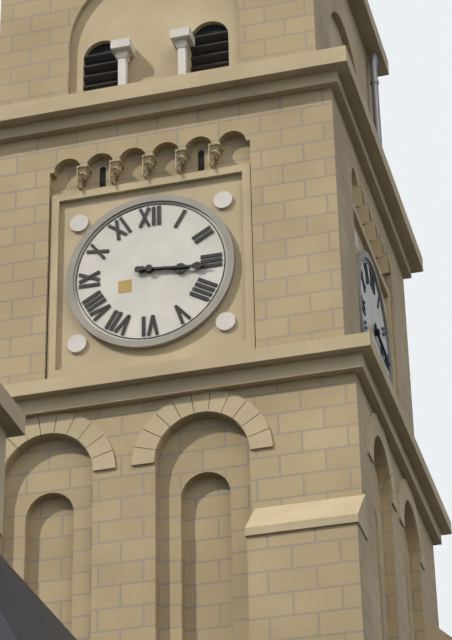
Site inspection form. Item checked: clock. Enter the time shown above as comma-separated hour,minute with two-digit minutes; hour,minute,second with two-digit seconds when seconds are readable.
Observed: 3,16
